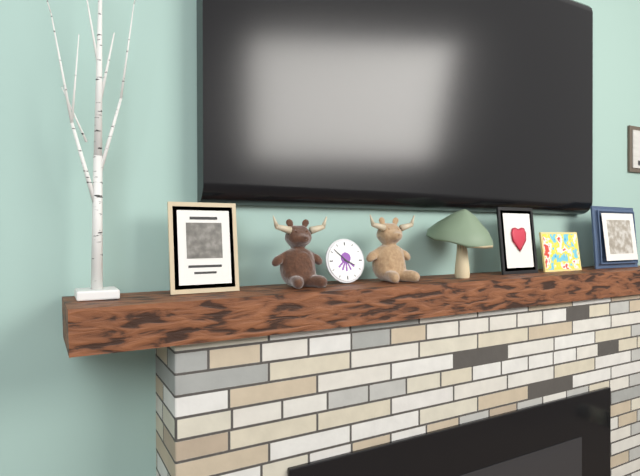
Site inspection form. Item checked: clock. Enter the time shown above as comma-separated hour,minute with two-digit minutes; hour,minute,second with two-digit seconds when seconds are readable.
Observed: 3,52
